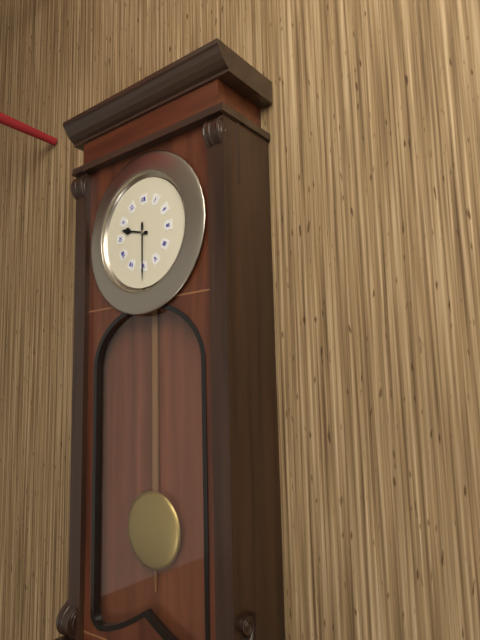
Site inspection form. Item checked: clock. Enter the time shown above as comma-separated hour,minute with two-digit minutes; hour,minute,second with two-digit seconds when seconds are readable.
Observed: 9,30
